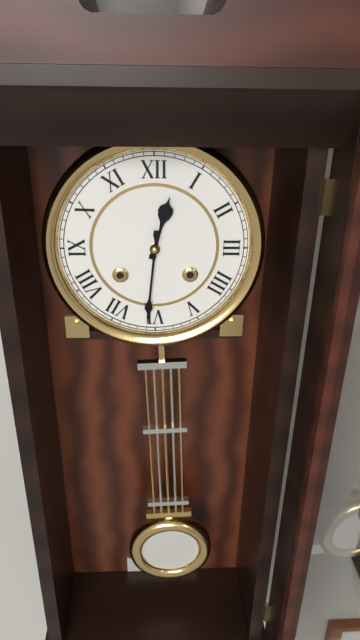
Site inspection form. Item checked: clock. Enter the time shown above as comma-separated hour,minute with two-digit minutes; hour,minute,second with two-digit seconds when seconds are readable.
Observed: 12,31
